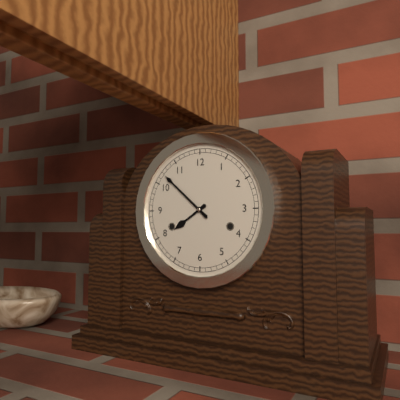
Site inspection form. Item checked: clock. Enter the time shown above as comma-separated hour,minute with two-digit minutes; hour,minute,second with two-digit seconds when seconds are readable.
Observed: 7,52
